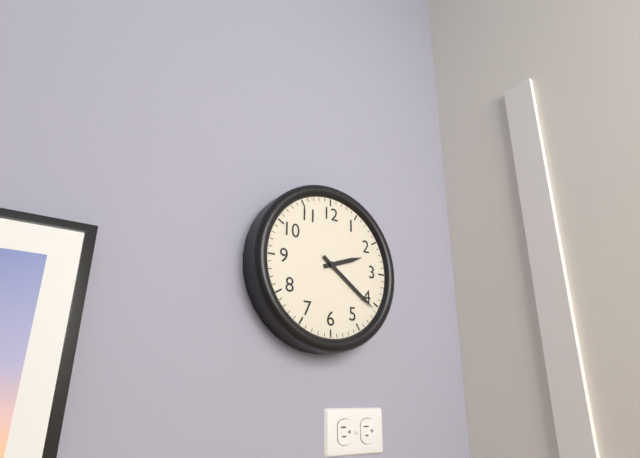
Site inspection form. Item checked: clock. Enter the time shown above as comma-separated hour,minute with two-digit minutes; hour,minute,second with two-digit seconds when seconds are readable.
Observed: 2,21
